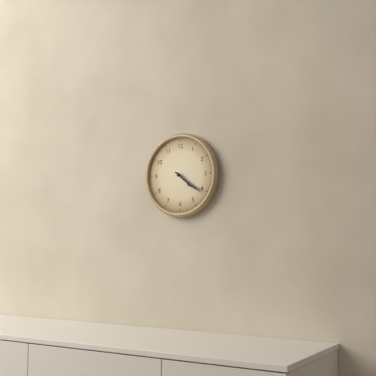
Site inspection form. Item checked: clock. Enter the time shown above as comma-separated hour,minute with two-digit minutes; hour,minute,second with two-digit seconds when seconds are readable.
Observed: 4,21
